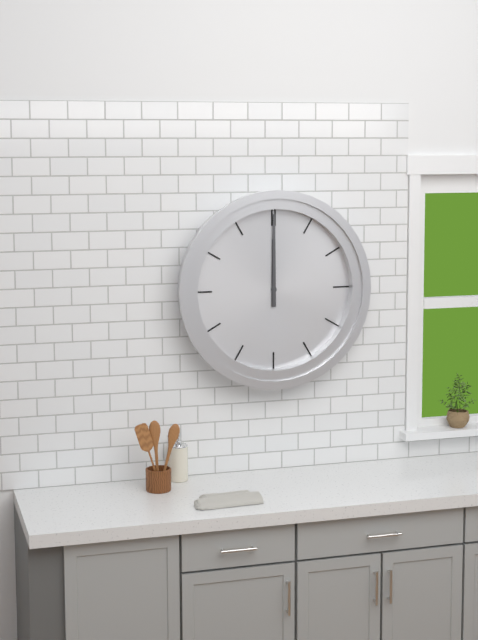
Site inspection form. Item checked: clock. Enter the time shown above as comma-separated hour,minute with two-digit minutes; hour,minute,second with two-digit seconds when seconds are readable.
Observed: 12,00
